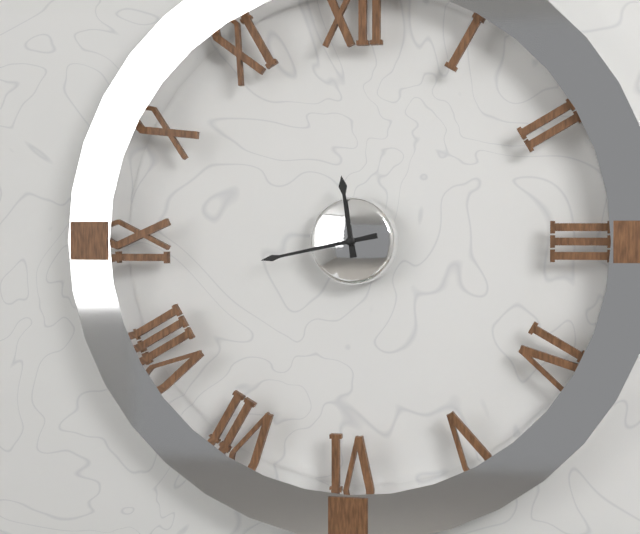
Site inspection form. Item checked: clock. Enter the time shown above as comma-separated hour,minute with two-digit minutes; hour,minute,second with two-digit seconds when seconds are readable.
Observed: 11,43
